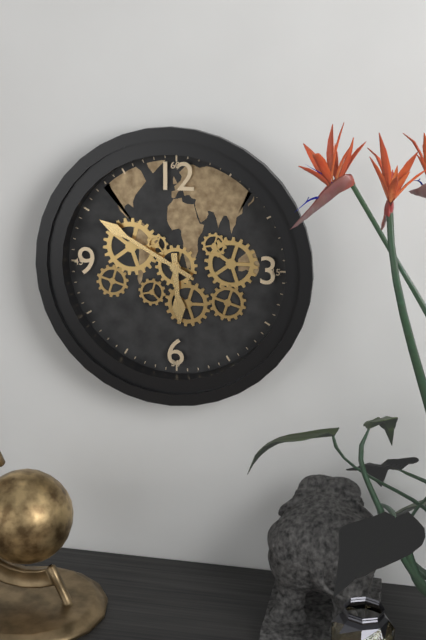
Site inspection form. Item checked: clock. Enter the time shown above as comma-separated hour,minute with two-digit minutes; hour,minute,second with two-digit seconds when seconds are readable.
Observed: 5,50
